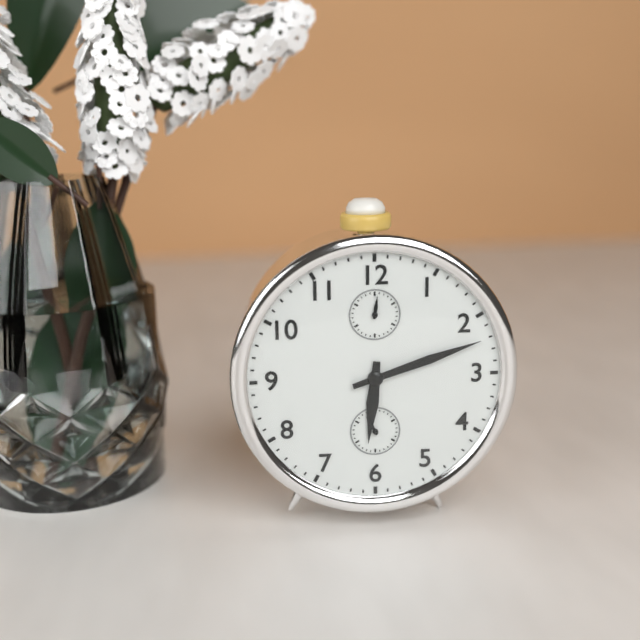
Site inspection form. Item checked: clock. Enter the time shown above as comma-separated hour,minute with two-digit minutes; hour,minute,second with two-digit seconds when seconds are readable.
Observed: 6,12
